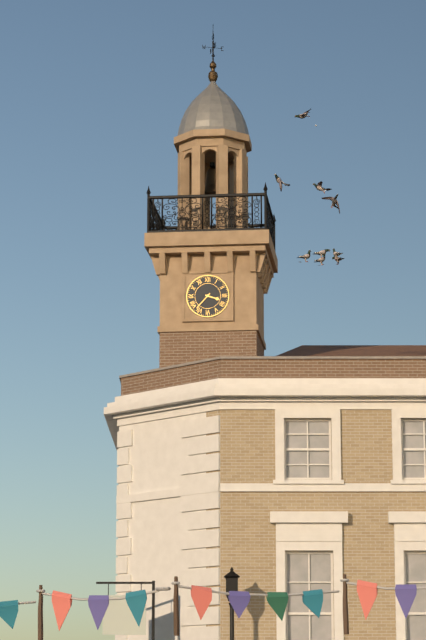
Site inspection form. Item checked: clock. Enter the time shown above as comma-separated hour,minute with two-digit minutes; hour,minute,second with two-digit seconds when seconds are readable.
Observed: 3,37
